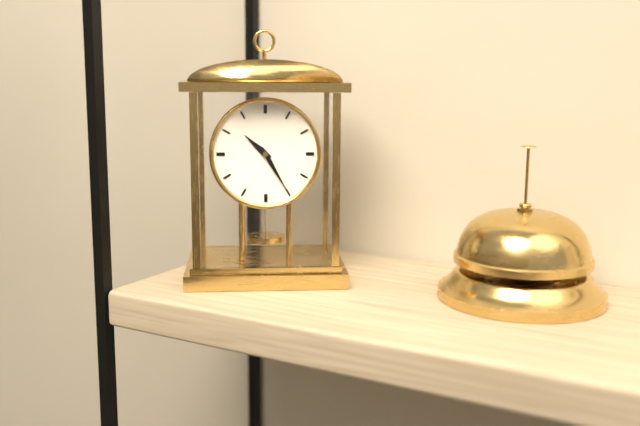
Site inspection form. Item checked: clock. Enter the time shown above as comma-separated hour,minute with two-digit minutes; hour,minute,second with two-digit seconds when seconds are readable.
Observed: 10,25
